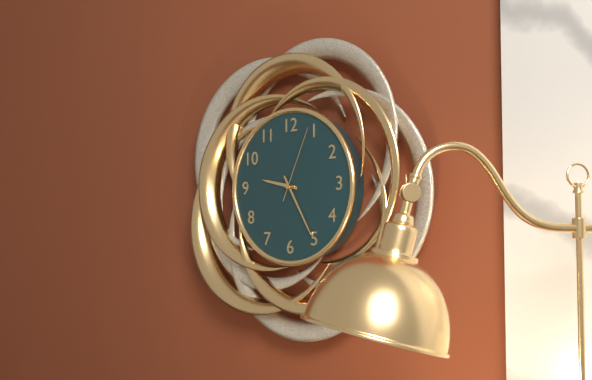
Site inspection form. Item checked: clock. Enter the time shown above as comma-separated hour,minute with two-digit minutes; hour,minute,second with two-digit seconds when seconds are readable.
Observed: 9,25,04
